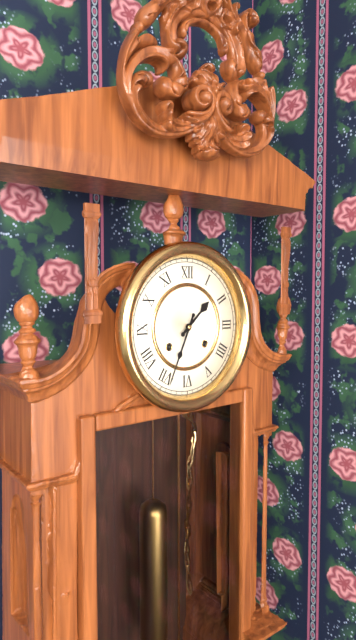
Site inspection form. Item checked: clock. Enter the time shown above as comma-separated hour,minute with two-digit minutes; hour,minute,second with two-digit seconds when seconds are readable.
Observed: 1,34
